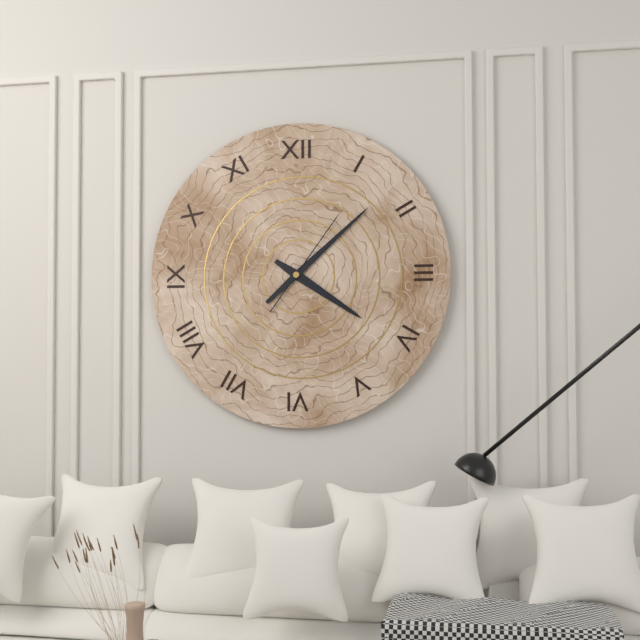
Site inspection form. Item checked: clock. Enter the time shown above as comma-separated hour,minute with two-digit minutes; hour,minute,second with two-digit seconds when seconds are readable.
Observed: 4,08,06
